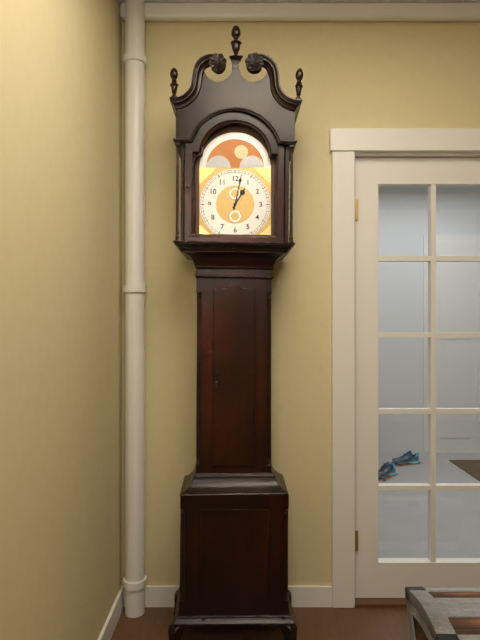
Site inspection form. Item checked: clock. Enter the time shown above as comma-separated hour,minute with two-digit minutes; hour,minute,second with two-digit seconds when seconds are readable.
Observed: 1,02
